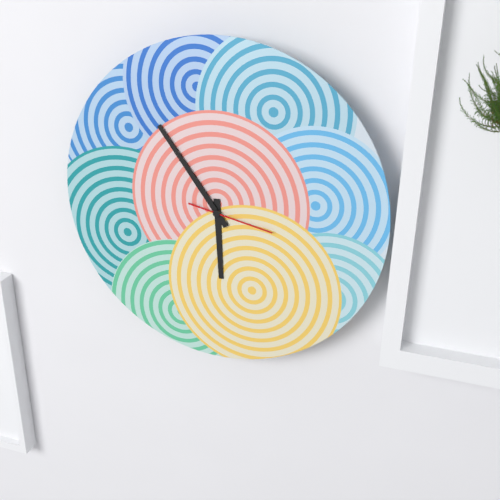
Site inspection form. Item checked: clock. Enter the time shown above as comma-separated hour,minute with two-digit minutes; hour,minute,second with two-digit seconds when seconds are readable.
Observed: 5,54,17
